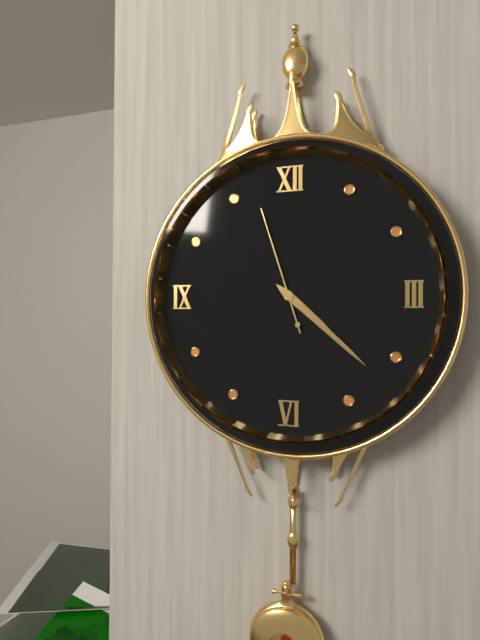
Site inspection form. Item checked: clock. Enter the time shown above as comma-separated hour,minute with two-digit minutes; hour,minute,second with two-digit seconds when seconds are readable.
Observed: 4,22,57
